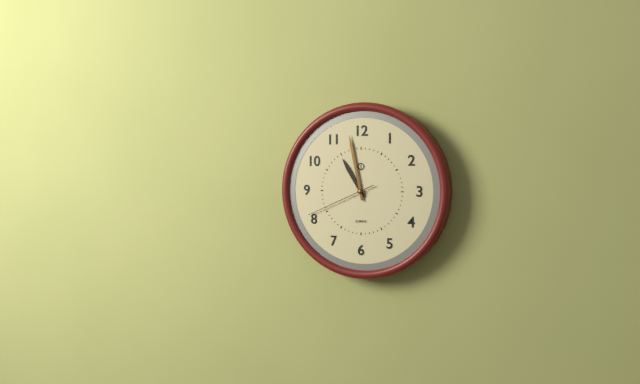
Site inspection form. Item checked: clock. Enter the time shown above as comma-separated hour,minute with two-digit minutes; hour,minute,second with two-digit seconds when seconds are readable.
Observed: 10,58,41
